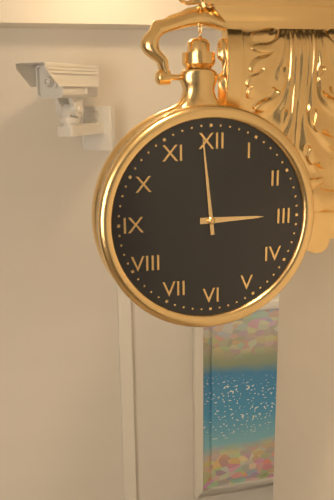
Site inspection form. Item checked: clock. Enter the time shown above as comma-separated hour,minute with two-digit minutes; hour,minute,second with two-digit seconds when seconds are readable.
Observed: 2,59
